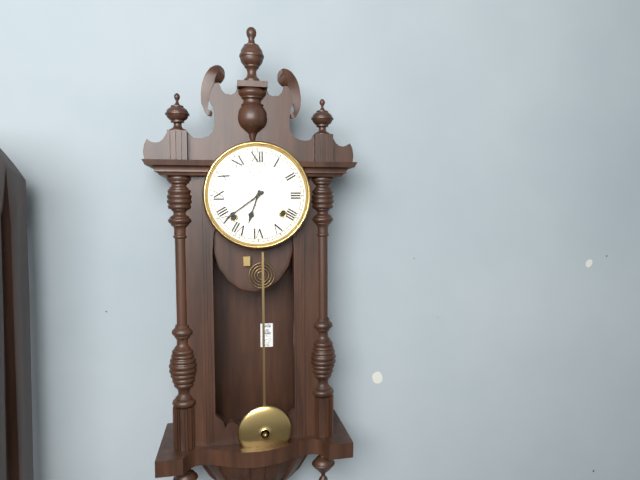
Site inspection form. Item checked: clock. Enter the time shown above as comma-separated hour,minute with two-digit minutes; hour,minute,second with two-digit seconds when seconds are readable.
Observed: 6,39
